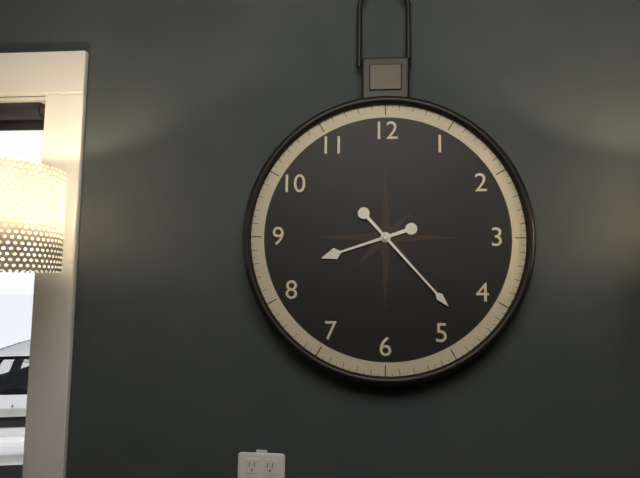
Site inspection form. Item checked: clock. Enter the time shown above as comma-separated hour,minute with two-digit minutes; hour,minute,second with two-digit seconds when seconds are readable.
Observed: 8,23
